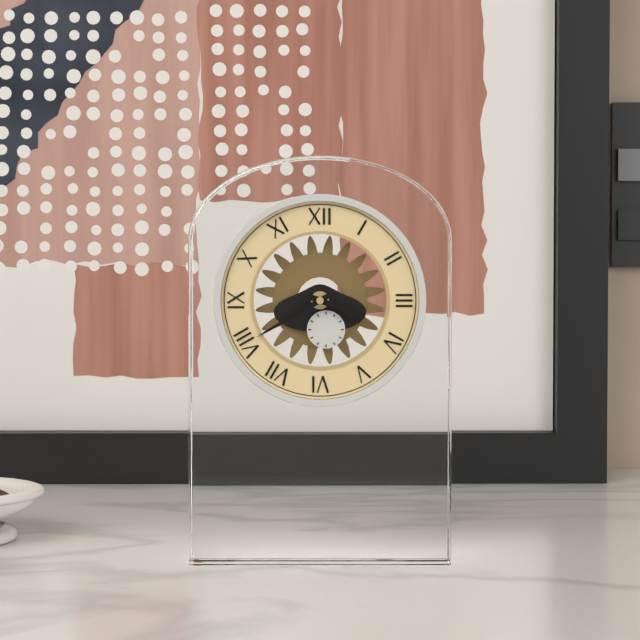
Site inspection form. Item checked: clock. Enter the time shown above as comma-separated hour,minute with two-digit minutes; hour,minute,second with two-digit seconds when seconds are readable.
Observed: 3,40
